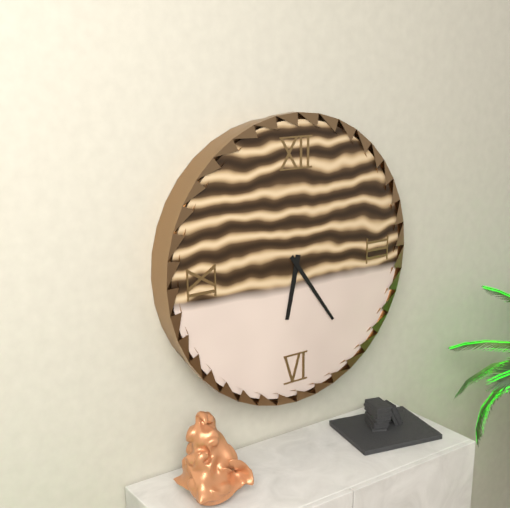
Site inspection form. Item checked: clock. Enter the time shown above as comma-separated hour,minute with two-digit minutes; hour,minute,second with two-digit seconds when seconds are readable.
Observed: 6,24
